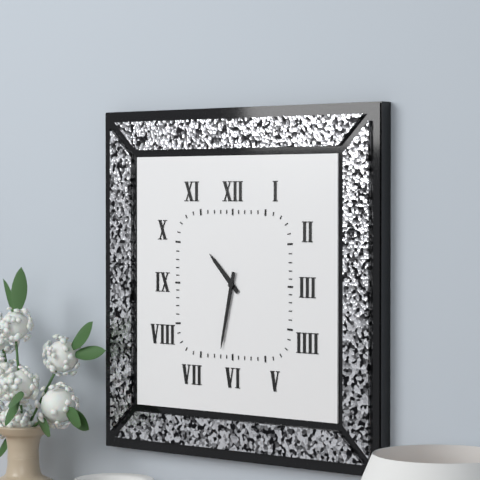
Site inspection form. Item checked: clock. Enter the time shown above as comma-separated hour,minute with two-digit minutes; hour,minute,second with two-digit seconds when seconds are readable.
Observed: 10,32
